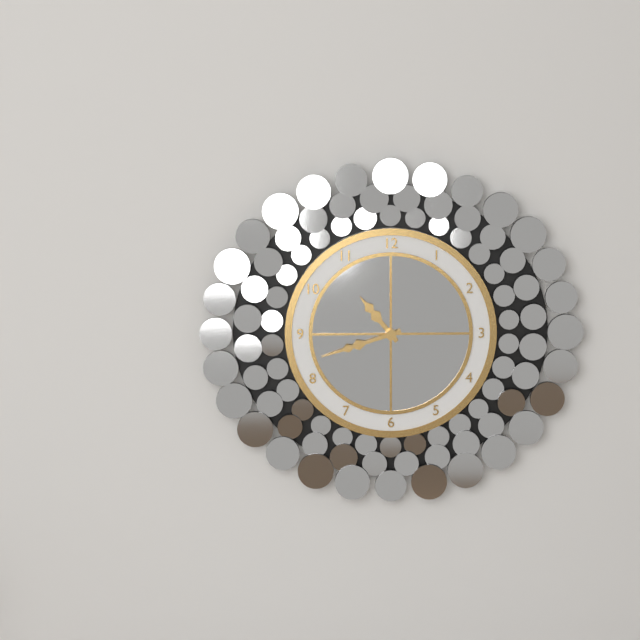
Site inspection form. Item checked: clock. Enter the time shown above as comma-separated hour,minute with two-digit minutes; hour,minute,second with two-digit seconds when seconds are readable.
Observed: 10,42,00
